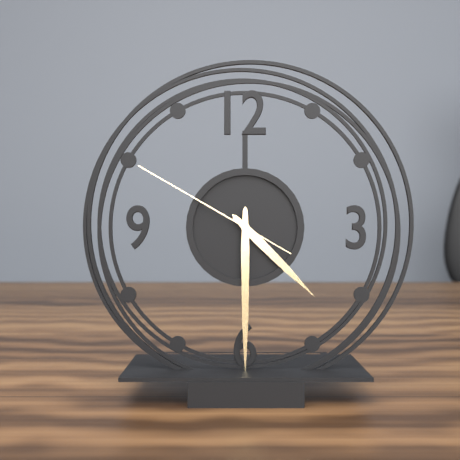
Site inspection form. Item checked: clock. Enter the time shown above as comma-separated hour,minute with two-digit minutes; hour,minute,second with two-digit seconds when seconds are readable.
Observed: 4,30,50
